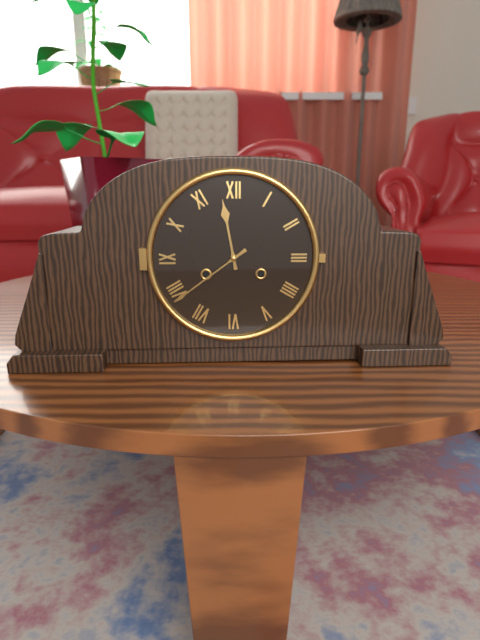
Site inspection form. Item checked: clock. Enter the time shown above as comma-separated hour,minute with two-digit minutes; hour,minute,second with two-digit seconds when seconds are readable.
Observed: 11,39
